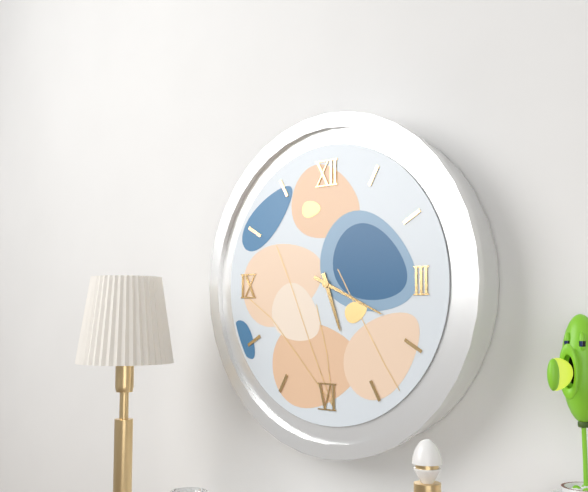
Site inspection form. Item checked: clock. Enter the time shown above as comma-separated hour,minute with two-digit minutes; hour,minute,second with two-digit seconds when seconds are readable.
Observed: 5,19
